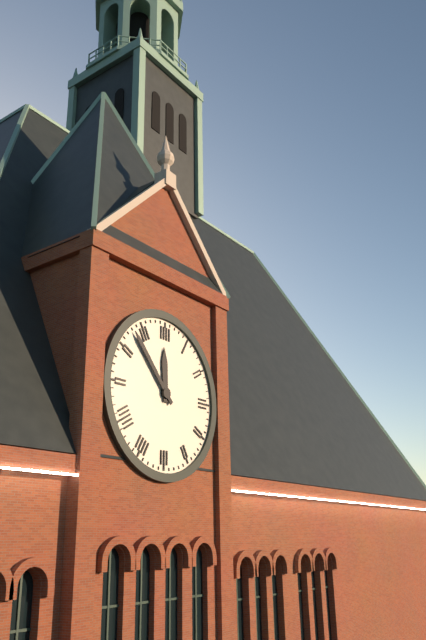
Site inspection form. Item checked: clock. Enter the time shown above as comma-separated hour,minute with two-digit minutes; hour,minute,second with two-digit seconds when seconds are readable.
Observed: 11,53
